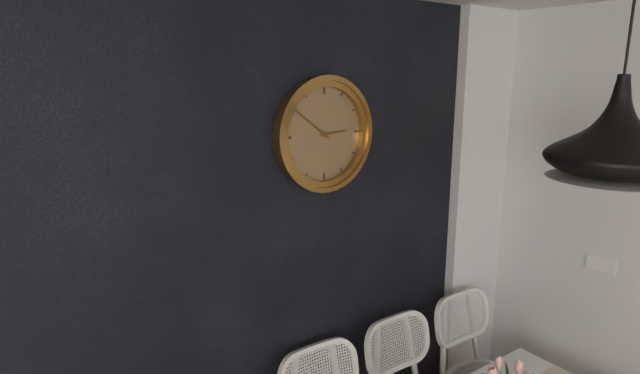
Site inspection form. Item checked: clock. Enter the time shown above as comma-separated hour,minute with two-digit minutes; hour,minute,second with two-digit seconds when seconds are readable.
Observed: 2,51
